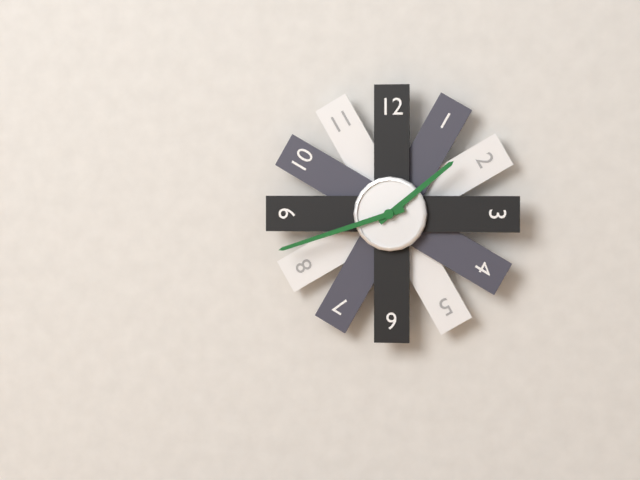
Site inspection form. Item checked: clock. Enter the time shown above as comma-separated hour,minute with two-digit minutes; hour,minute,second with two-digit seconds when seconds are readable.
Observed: 1,42
